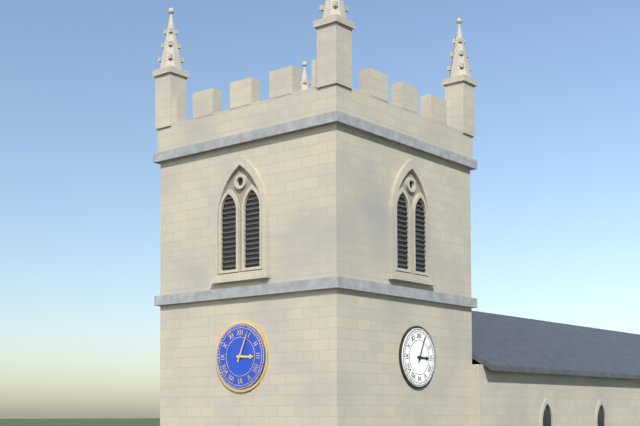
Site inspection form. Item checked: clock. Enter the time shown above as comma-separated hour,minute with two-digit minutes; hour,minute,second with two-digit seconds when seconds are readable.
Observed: 3,04
